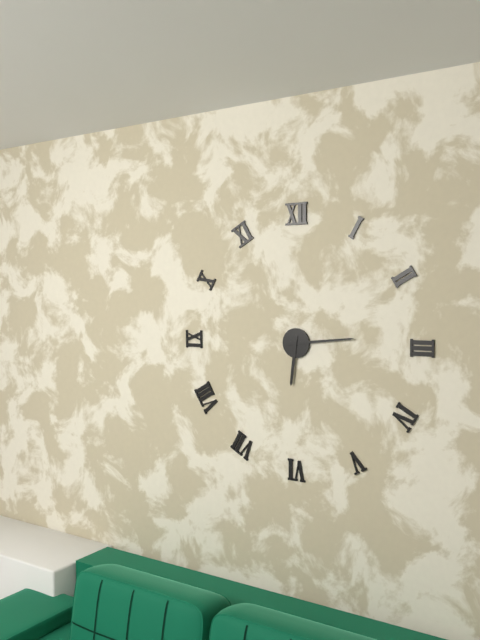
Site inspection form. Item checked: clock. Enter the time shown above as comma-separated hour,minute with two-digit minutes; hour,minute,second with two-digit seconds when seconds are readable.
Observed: 6,14
